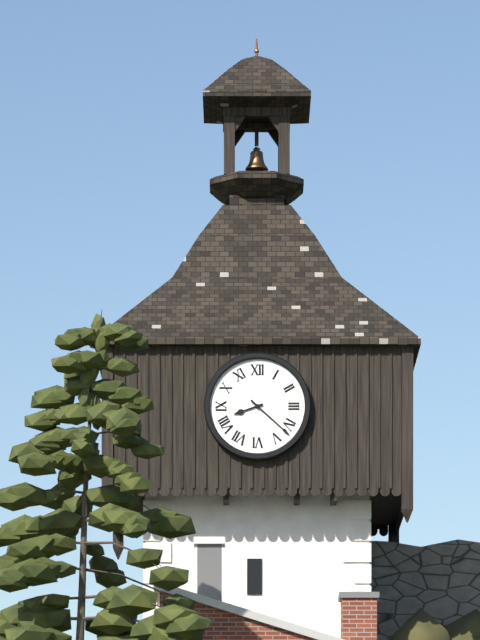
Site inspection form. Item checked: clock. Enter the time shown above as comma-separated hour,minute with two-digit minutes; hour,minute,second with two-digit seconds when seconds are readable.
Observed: 8,22
